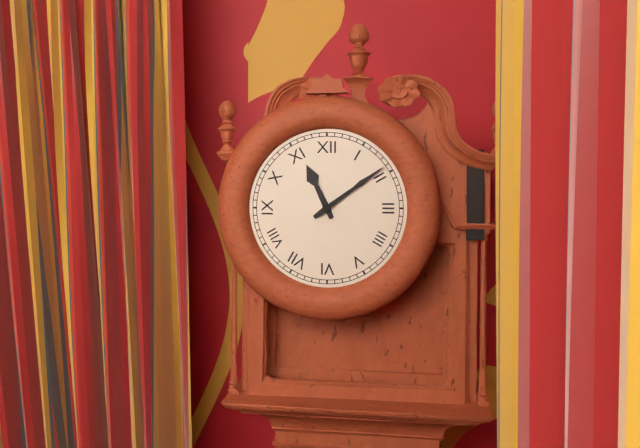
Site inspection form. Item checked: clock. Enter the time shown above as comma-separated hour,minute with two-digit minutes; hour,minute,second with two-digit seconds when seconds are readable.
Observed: 11,09
